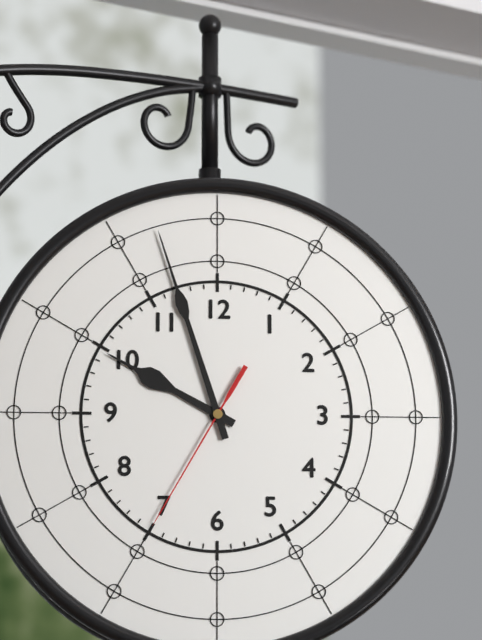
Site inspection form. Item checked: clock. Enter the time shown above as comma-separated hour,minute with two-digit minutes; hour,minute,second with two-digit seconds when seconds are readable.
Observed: 9,57,35
